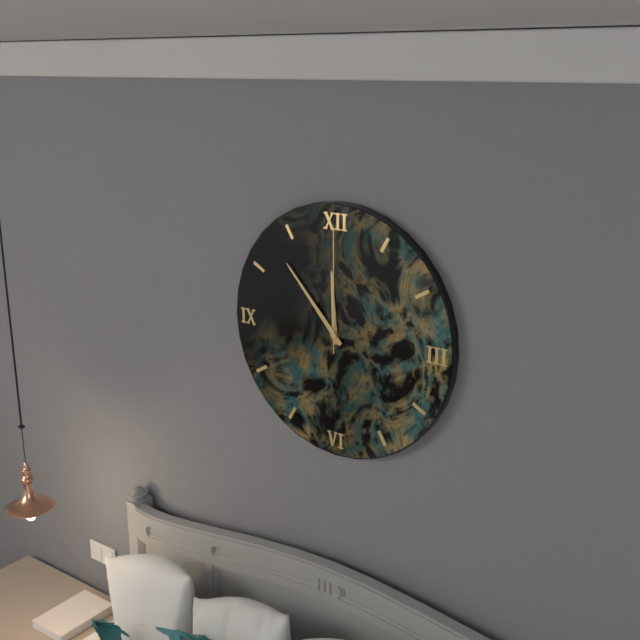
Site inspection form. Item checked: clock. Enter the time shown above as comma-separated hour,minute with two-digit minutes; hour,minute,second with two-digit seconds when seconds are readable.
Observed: 11,53,00
